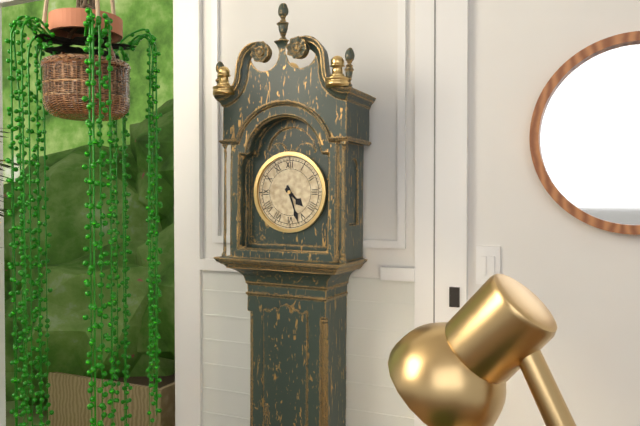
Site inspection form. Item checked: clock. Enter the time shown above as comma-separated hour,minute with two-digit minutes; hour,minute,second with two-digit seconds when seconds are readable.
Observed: 4,27
